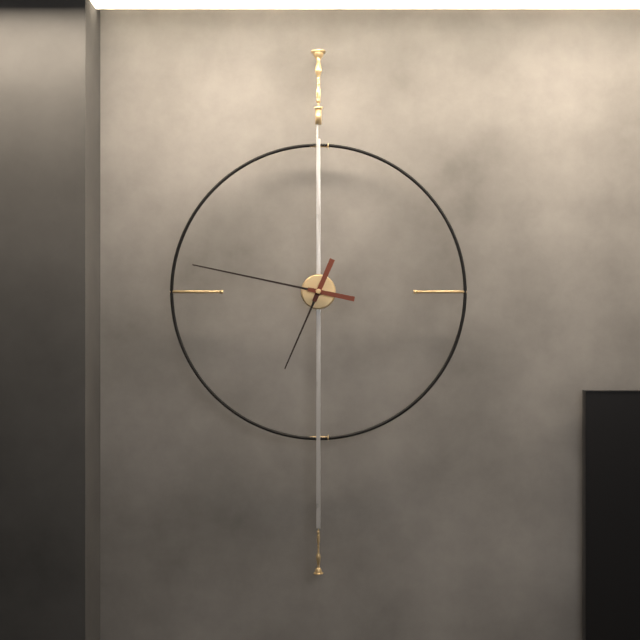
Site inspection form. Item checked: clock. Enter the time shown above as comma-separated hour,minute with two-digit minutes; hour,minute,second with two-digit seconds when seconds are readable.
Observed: 6,47
